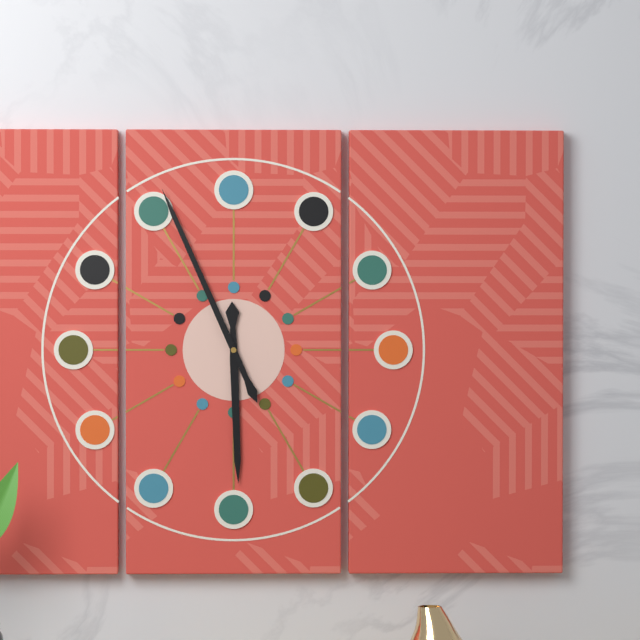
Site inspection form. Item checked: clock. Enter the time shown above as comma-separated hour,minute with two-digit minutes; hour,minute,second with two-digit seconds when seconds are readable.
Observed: 5,56
